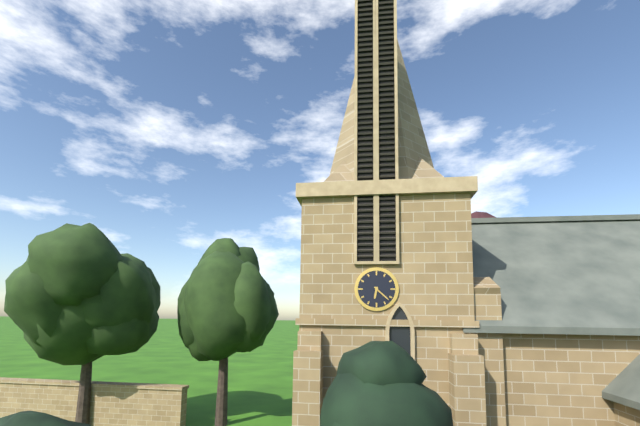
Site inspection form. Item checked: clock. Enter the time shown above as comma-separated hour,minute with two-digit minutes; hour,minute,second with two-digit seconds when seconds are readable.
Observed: 6,22
